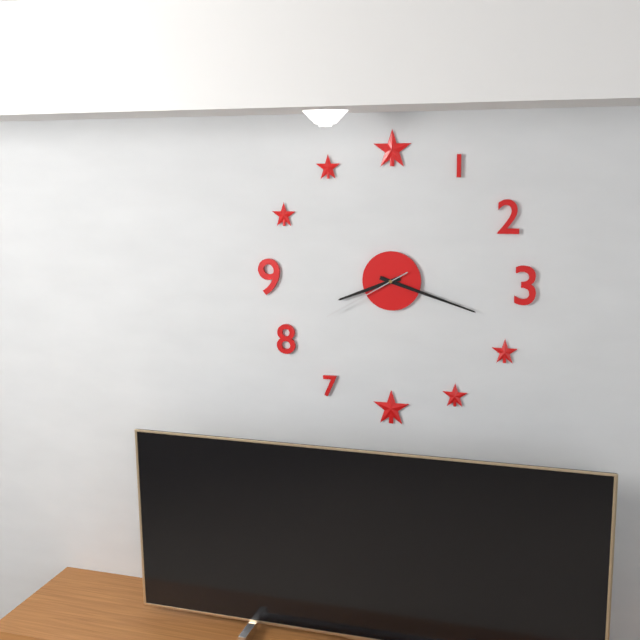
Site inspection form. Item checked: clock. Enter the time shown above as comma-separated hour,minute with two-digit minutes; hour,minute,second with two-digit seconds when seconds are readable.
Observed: 8,18,40
